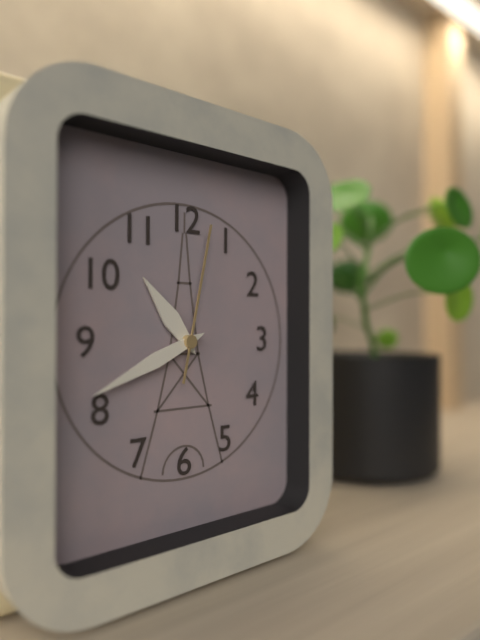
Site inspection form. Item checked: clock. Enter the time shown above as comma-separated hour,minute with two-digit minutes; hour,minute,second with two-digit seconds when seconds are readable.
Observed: 10,41,02
